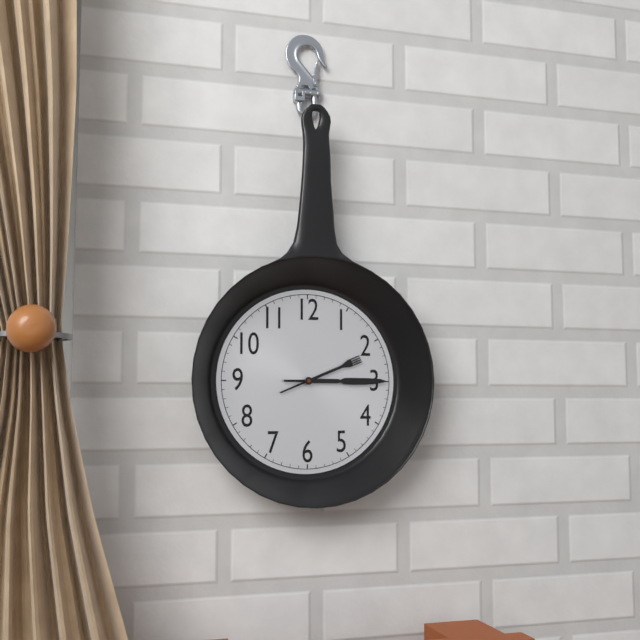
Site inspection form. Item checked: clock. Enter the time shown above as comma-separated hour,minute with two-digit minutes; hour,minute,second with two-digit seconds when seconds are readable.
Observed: 2,15
